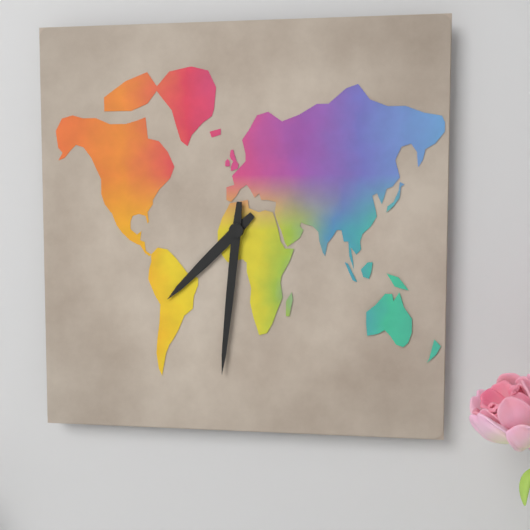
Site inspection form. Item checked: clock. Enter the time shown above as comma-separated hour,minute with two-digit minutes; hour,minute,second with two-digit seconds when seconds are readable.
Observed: 7,31
